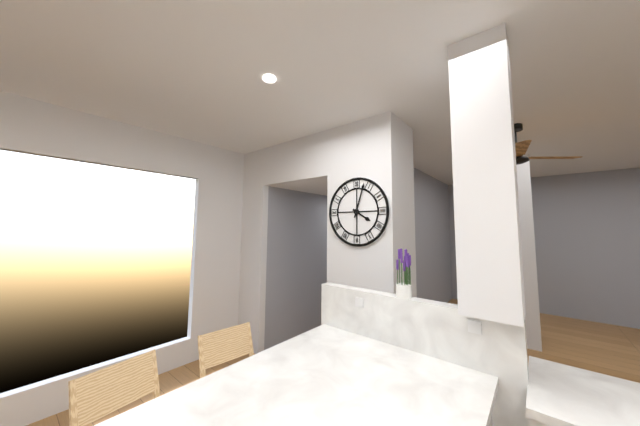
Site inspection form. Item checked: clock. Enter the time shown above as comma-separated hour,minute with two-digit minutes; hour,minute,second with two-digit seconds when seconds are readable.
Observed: 4,03
